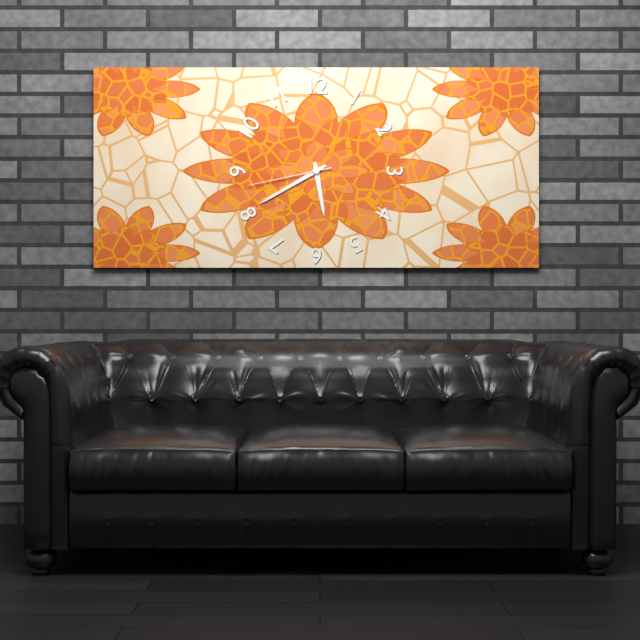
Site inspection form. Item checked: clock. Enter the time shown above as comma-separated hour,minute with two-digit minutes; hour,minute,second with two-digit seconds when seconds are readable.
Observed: 5,40,43
